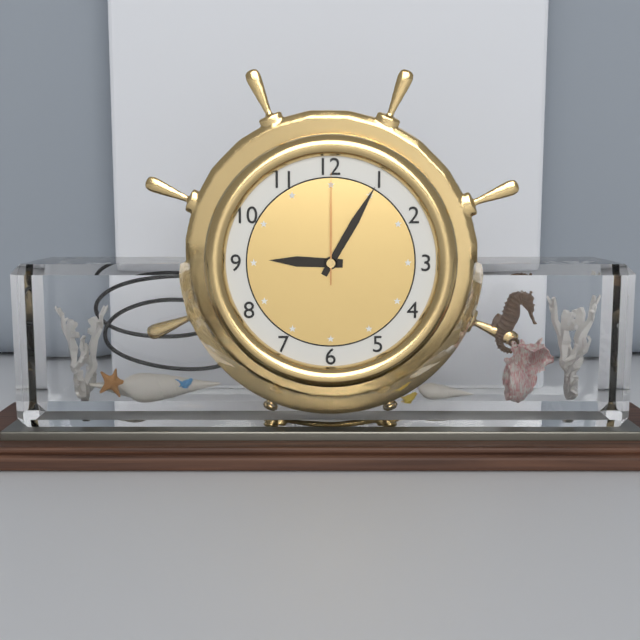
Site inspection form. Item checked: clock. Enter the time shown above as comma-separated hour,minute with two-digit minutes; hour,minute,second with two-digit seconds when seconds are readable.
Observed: 9,05,00
